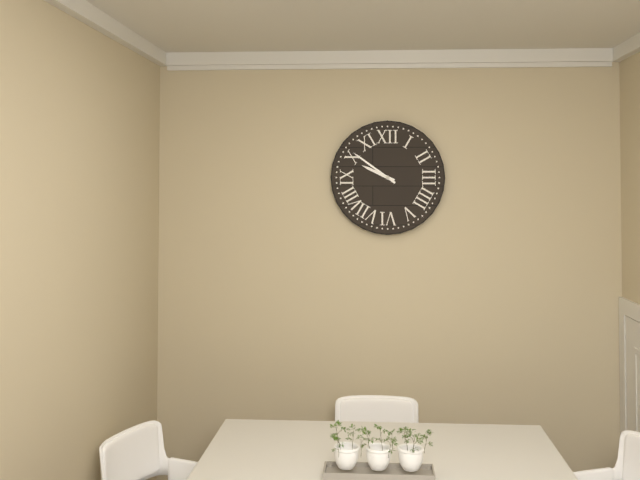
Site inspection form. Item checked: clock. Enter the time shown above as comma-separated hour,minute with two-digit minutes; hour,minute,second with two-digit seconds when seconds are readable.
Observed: 9,51
